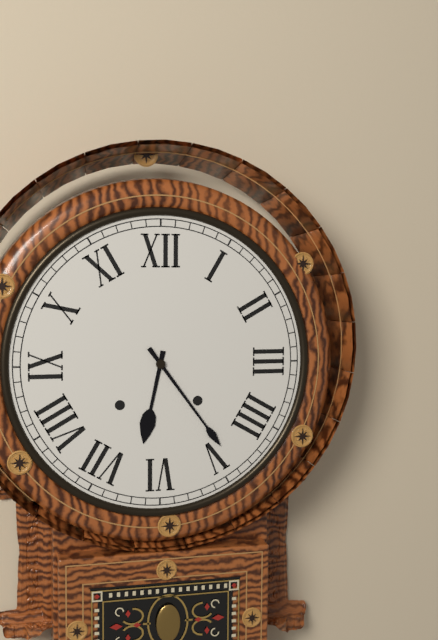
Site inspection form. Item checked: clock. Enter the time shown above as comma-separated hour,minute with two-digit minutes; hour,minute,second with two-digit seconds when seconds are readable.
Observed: 6,24
